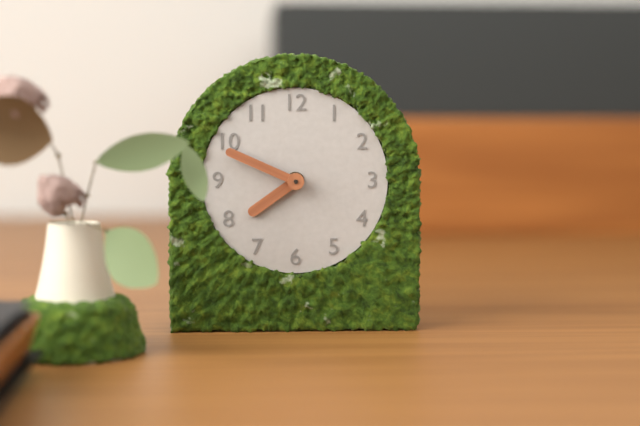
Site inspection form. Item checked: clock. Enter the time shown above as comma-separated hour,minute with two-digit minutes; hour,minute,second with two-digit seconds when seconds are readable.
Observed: 7,49
